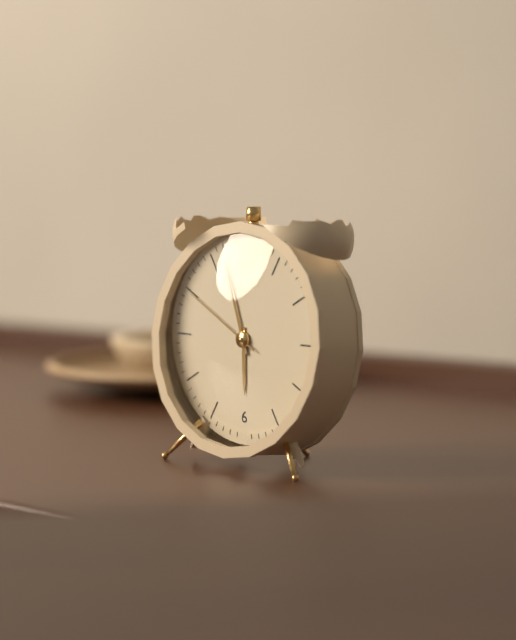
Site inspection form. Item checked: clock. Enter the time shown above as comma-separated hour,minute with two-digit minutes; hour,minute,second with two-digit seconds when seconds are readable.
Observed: 5,57,50
